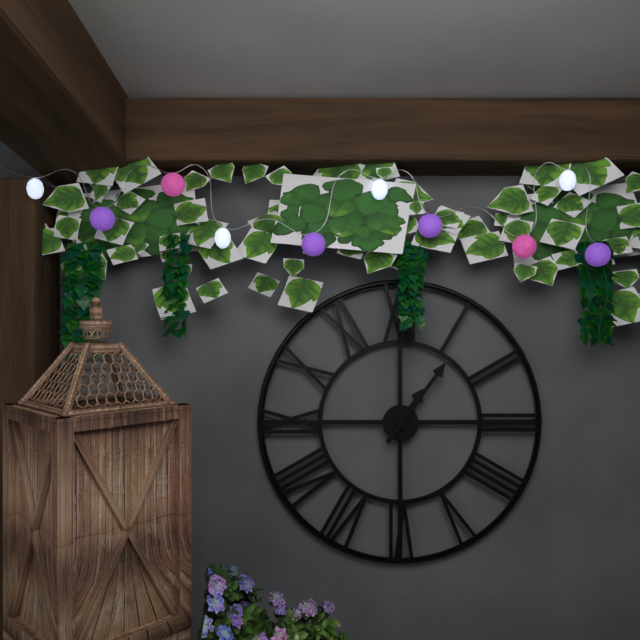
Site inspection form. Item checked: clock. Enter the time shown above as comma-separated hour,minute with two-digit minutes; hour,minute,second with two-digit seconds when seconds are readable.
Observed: 1,06
